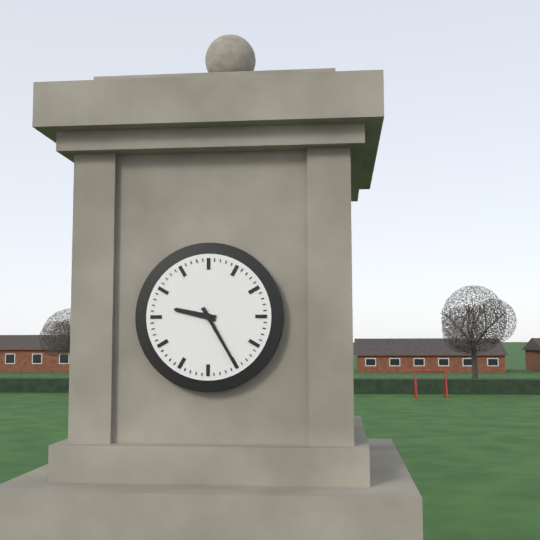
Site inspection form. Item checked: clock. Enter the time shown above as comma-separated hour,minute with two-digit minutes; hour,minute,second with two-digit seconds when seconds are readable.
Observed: 9,25
